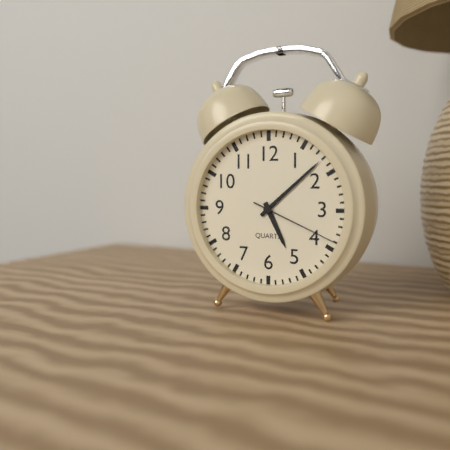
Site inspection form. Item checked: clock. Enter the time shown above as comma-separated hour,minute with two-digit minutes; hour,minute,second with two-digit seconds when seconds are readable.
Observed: 5,08,19
